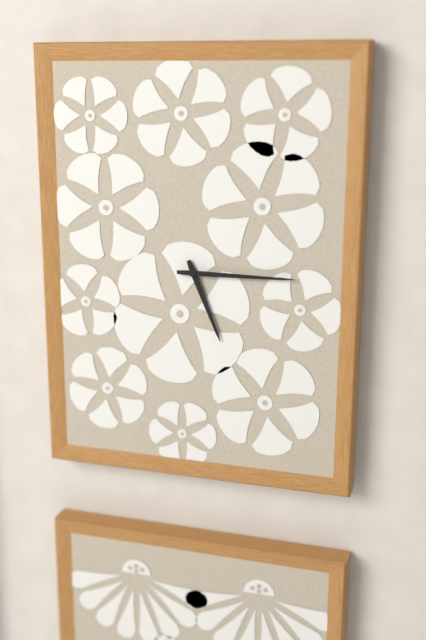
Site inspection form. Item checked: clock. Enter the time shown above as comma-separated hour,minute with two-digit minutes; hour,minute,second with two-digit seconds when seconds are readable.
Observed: 5,15
